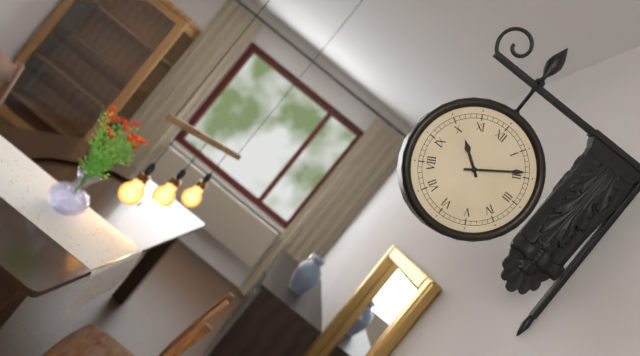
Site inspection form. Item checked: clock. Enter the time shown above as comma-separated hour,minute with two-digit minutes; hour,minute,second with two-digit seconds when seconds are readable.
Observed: 10,09
